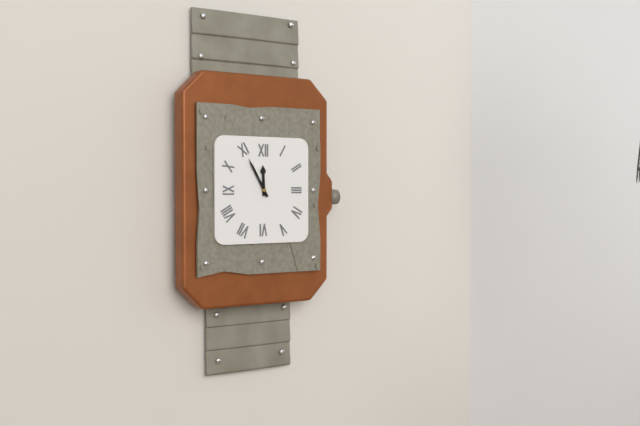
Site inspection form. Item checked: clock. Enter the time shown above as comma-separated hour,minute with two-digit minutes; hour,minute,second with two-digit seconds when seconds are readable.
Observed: 11,55
